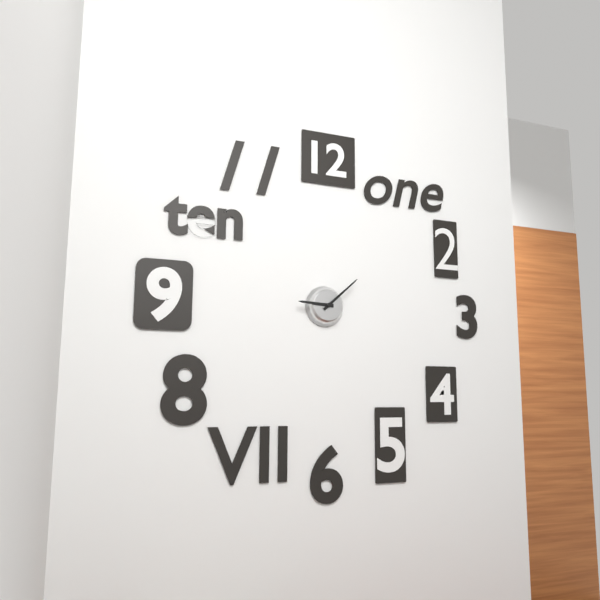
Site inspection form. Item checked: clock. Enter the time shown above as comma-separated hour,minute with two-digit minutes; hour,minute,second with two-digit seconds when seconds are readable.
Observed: 9,08
